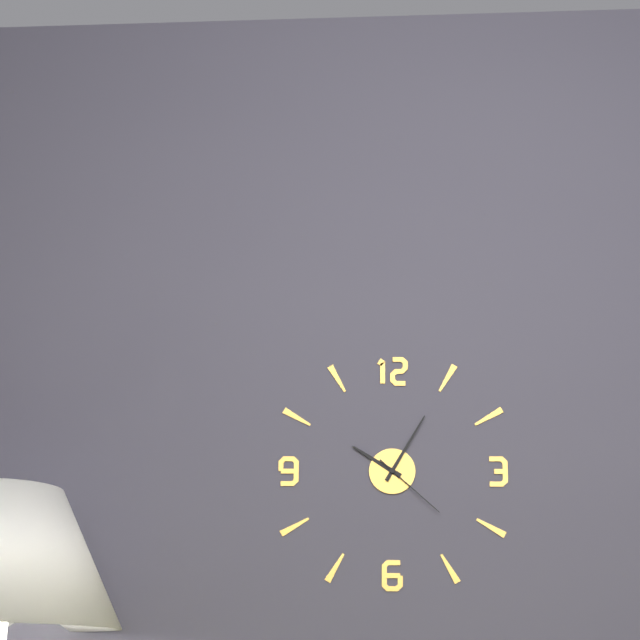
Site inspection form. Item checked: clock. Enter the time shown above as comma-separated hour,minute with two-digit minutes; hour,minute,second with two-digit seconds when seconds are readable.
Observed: 10,05,22
